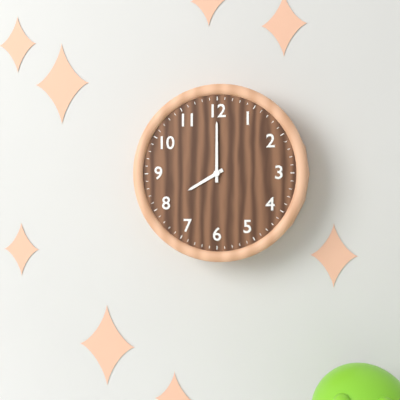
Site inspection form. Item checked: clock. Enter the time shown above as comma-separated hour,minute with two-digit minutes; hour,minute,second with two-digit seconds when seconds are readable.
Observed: 8,00
